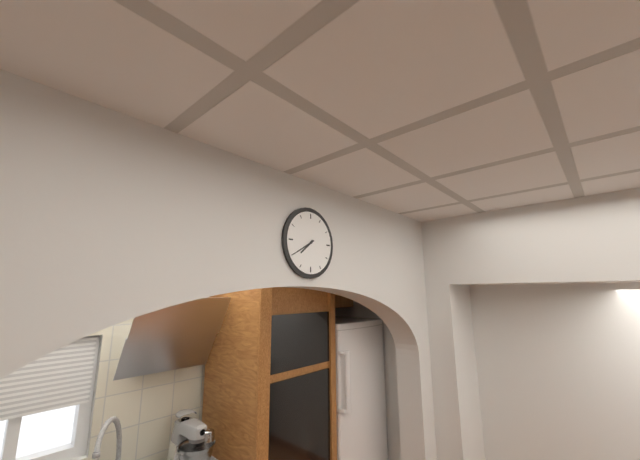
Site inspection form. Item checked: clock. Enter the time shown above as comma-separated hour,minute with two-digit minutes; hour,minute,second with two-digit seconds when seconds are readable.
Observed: 7,40
